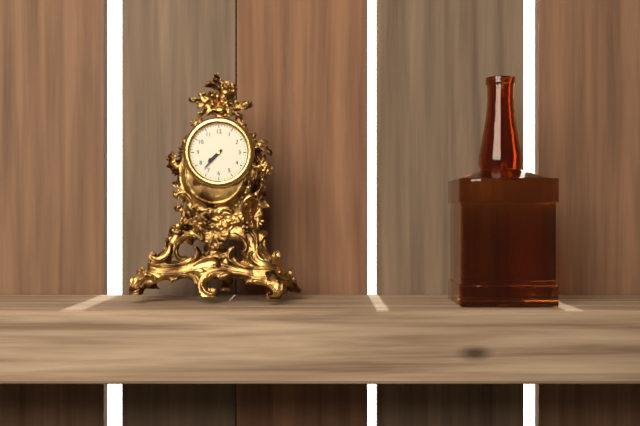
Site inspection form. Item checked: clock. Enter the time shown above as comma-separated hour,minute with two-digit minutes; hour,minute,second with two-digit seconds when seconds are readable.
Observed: 7,37
